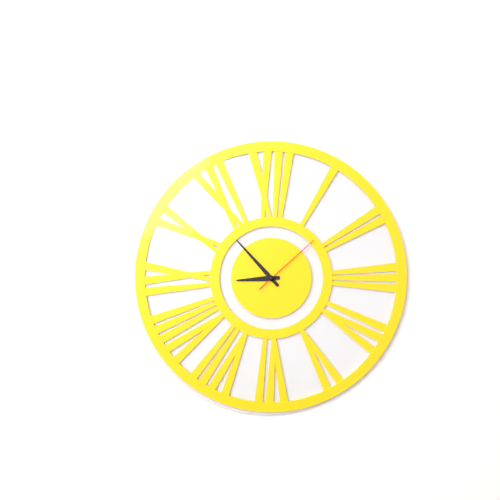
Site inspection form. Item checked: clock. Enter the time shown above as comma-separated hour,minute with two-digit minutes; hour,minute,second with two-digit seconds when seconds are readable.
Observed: 8,53,08
